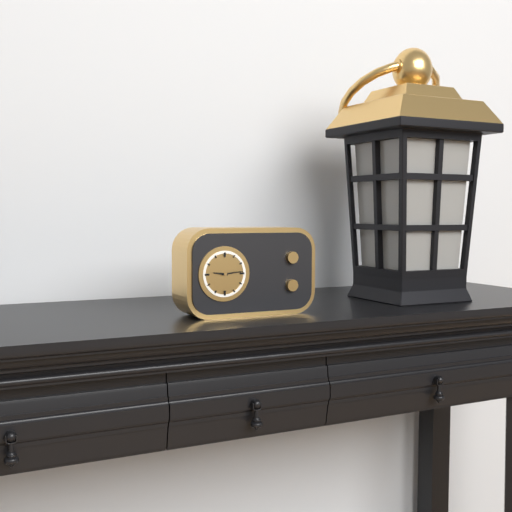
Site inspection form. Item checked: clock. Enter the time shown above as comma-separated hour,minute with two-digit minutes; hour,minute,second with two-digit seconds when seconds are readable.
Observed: 9,14
